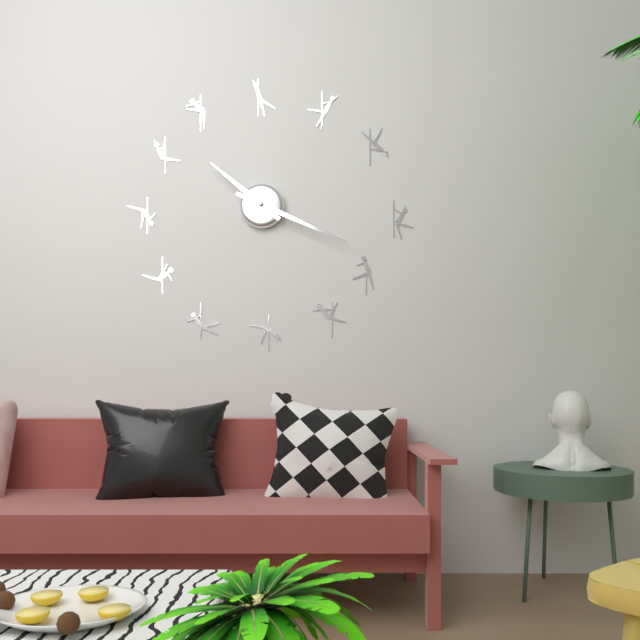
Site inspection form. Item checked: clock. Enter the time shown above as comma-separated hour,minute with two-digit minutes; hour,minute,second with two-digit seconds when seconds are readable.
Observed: 10,19
